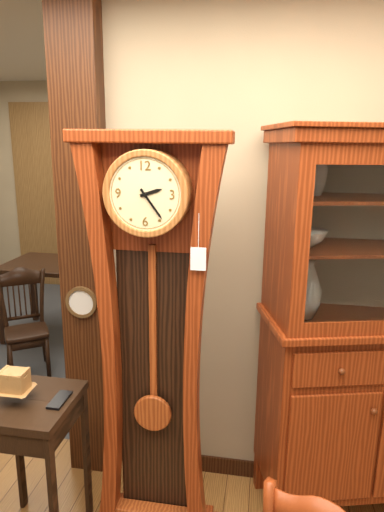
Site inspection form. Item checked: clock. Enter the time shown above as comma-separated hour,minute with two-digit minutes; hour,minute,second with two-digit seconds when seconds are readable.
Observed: 2,24
